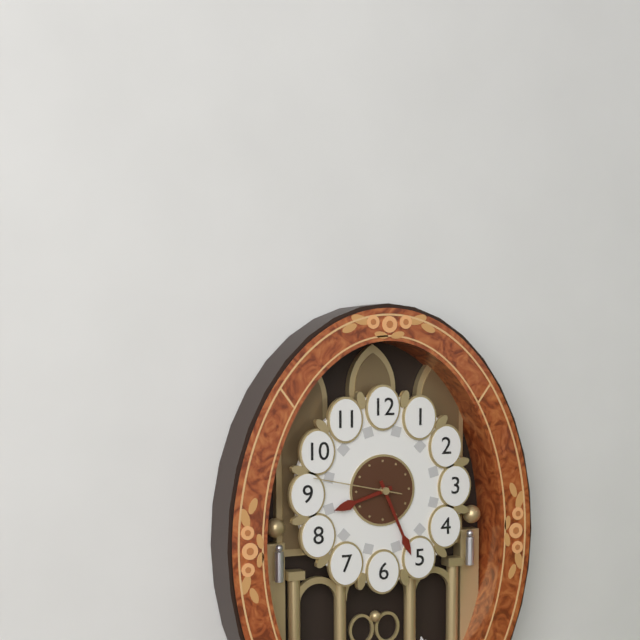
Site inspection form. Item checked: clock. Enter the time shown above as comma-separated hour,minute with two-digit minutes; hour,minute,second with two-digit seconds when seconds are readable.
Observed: 8,26,47
